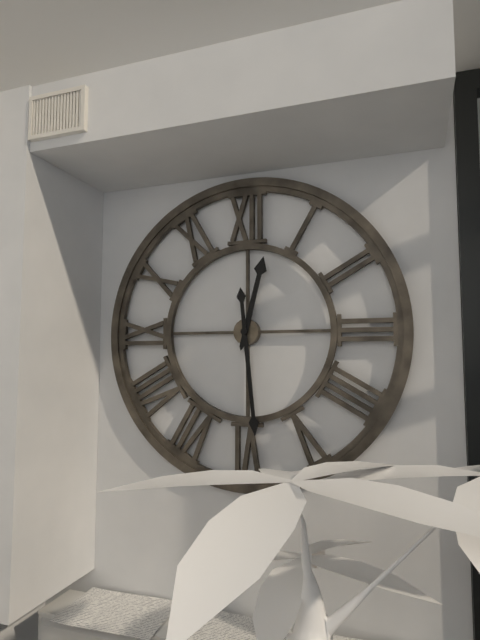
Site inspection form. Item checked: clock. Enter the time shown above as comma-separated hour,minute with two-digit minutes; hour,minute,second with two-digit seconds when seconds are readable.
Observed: 12,29
